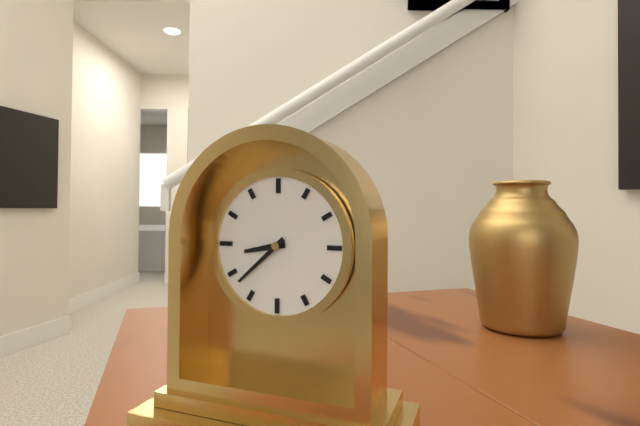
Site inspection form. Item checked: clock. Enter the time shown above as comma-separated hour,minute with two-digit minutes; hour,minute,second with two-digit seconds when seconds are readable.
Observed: 8,38
